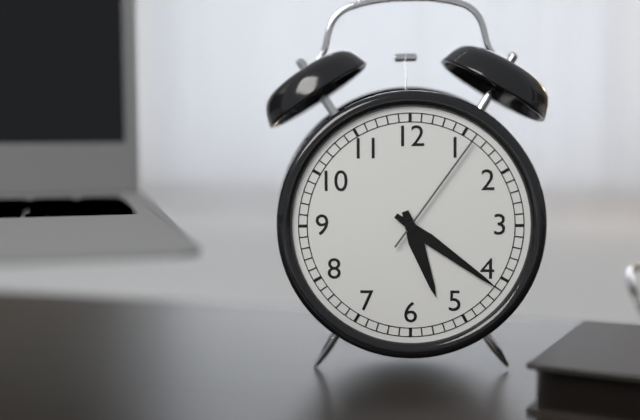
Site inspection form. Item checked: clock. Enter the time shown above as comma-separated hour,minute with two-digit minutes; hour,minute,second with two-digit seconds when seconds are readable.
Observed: 5,21,06
